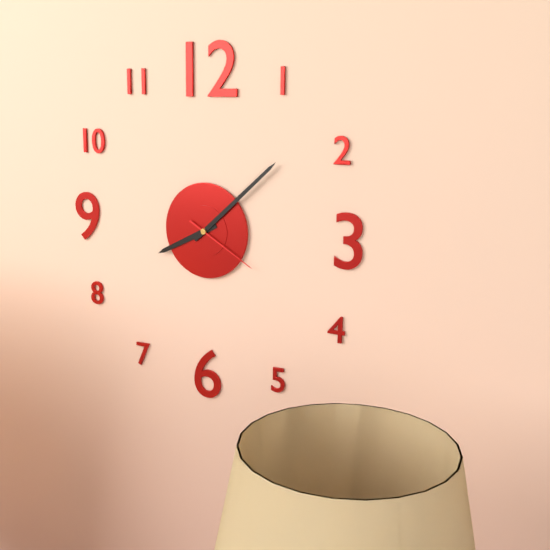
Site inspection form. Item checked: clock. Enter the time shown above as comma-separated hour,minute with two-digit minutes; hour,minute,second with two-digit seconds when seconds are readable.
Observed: 8,08,20
